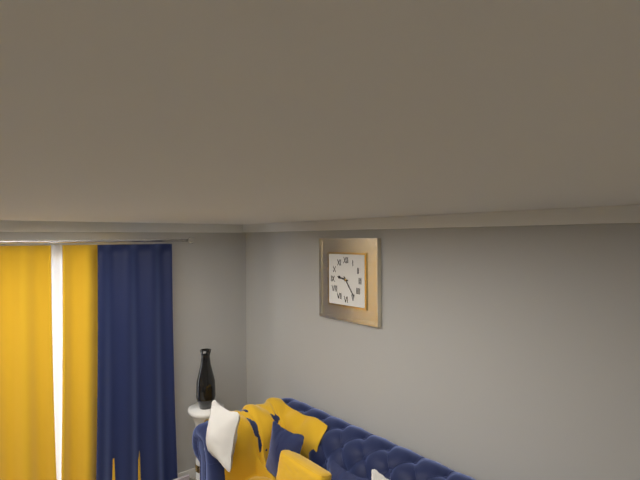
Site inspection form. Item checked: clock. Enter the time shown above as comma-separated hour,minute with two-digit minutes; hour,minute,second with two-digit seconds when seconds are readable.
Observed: 9,24
